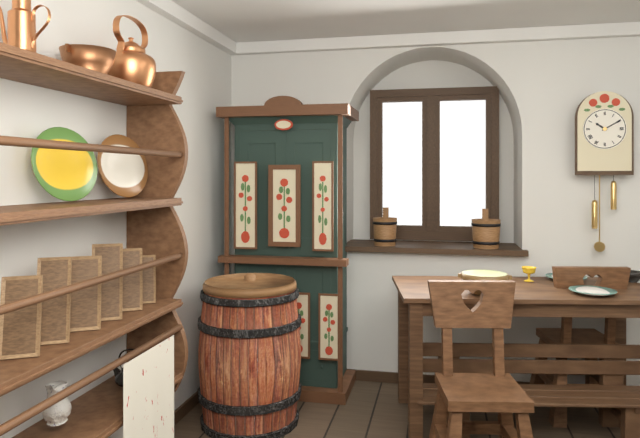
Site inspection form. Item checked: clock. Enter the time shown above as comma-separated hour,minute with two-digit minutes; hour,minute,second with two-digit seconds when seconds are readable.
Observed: 10,10
